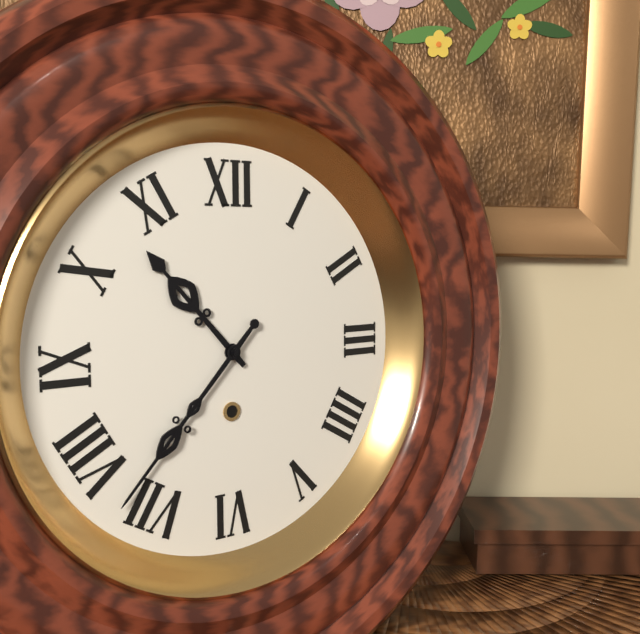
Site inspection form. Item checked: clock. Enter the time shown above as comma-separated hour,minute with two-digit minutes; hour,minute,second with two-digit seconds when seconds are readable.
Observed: 10,37
